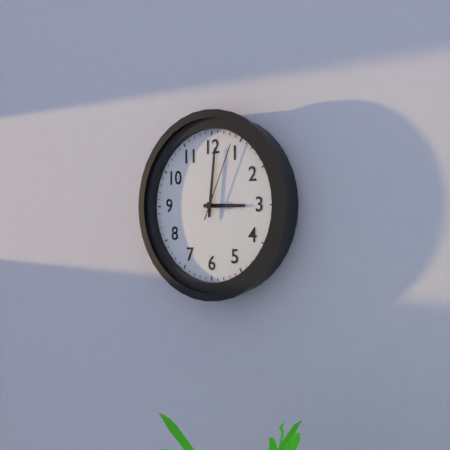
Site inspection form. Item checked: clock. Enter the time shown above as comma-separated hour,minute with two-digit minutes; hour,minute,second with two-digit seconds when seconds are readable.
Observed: 3,01,04
